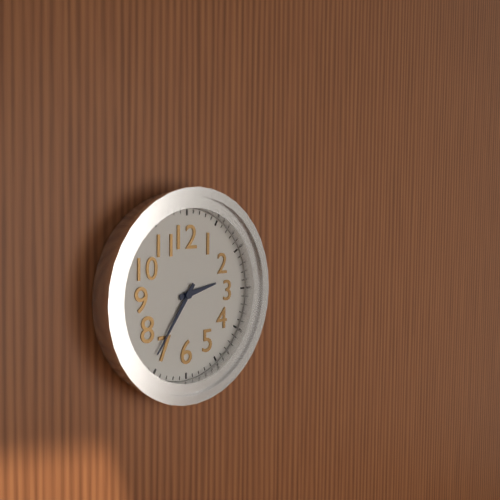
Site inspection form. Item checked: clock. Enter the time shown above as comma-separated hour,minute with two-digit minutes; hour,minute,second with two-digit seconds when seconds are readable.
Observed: 2,36
